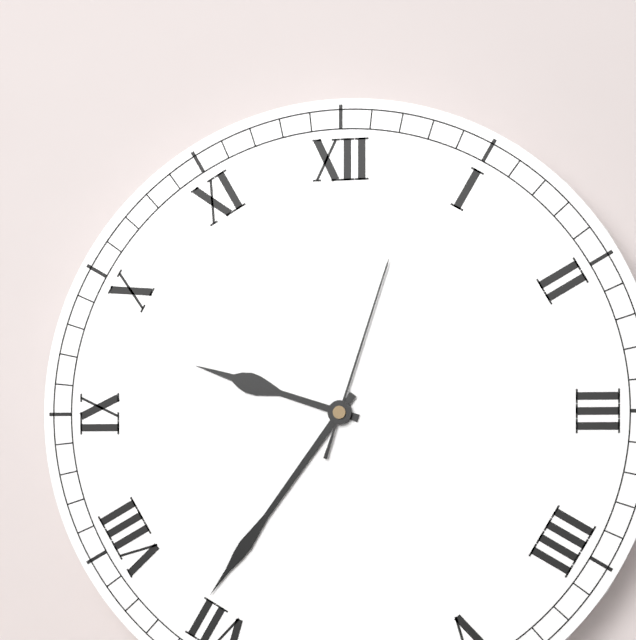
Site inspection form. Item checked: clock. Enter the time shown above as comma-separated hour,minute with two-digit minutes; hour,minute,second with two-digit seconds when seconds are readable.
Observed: 9,36,03
